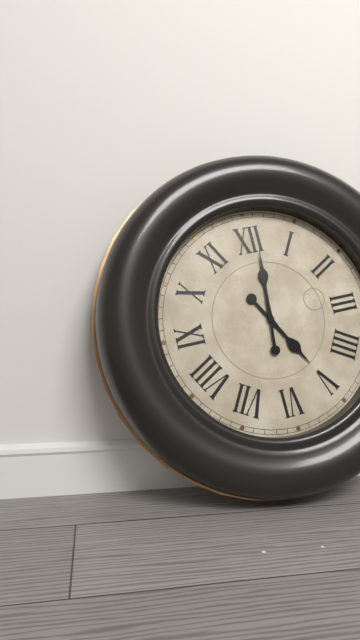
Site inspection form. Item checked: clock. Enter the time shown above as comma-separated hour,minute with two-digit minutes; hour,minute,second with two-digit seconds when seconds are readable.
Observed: 5,01
